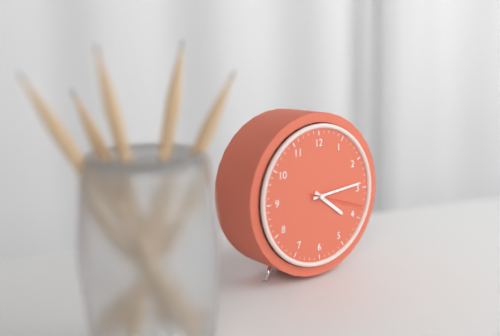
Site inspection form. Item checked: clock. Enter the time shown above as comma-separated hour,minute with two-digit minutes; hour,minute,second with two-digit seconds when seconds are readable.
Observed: 4,14,18
